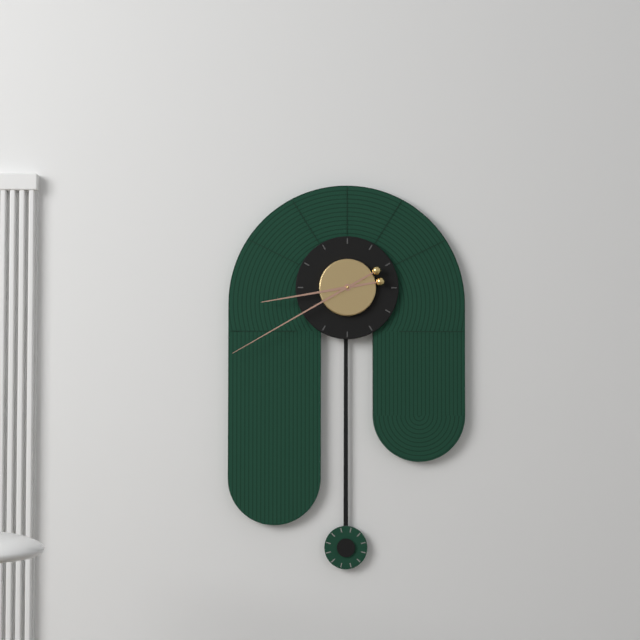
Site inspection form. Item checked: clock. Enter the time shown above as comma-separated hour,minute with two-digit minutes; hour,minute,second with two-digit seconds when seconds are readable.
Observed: 8,40
